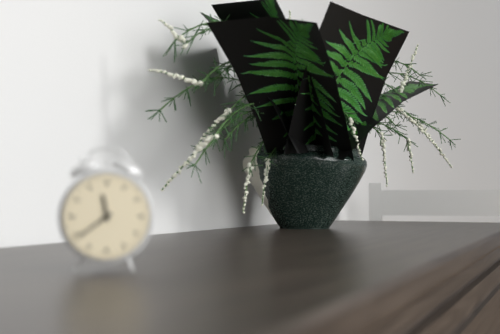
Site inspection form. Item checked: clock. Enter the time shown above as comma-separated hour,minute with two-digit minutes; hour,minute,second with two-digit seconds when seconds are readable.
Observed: 11,39
